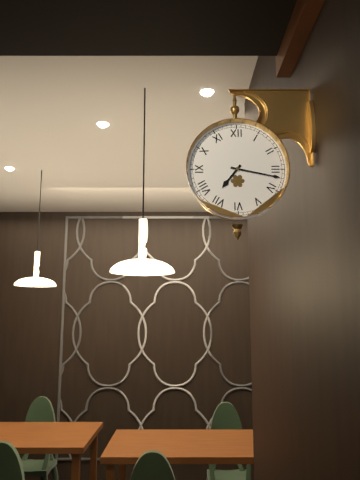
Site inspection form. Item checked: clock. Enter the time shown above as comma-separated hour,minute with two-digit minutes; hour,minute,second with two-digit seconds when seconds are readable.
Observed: 7,17
